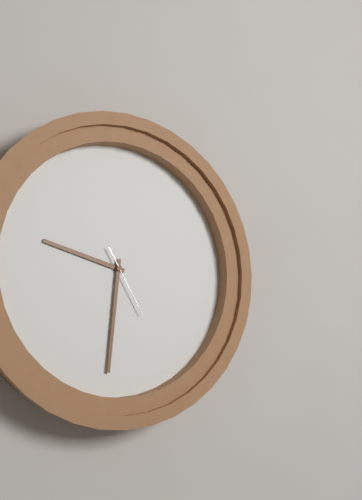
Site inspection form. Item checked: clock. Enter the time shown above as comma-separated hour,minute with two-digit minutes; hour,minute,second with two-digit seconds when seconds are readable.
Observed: 9,31,25
